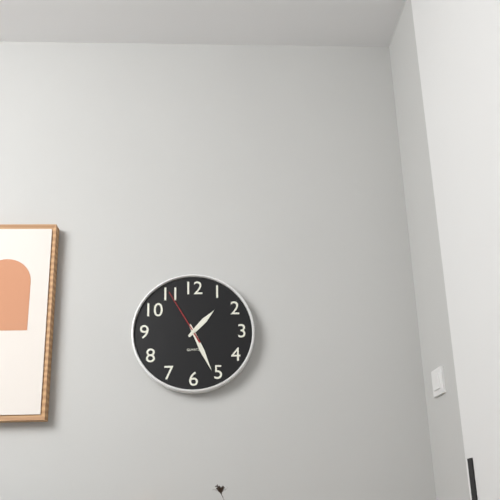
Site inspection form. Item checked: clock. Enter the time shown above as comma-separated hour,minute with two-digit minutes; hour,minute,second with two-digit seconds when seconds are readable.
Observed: 1,26,55
